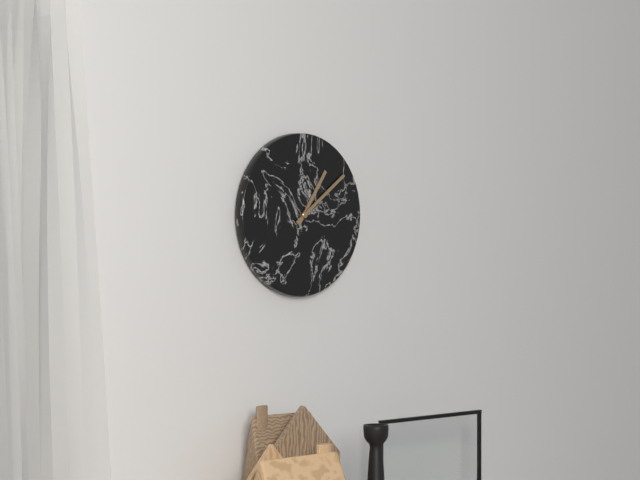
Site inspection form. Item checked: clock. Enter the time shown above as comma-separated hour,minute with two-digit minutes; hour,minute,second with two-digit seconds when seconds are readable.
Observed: 1,09
